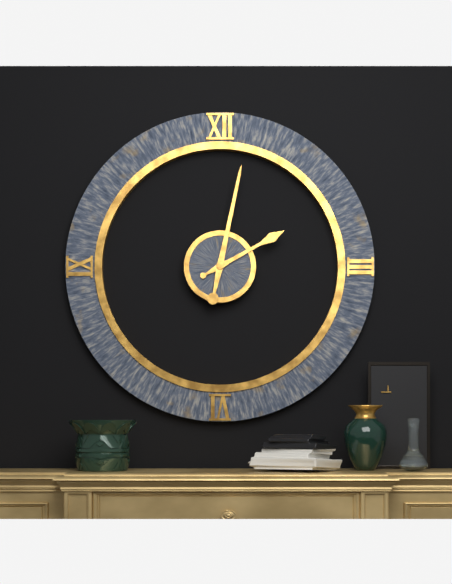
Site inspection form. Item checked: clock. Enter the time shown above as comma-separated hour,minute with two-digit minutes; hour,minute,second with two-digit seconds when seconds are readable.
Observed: 2,02
